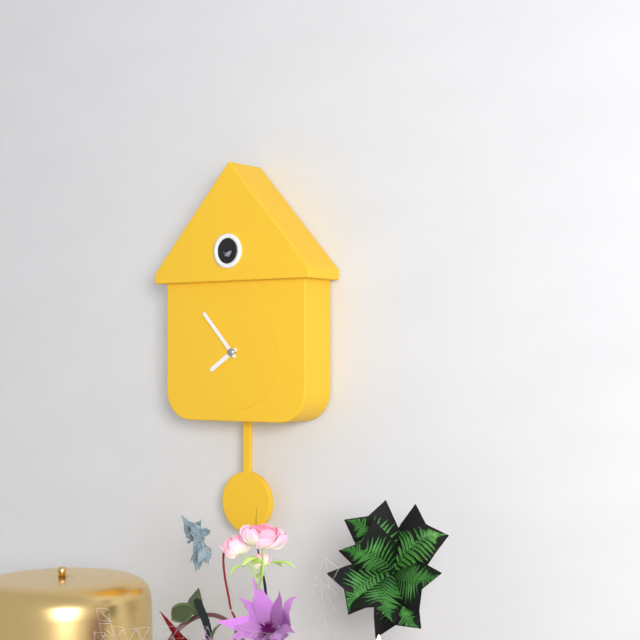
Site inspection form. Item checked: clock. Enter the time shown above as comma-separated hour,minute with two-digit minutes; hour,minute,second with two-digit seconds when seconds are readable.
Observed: 7,53
